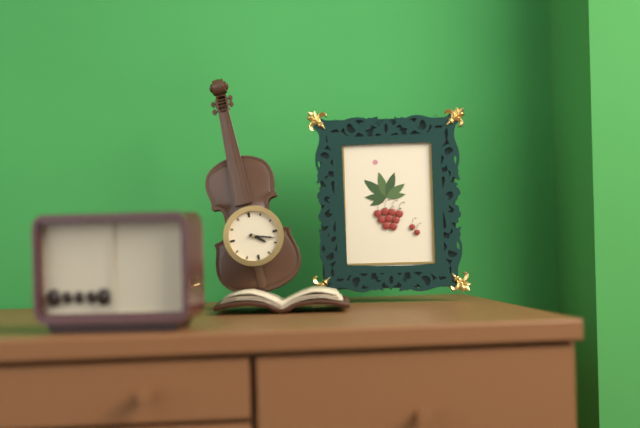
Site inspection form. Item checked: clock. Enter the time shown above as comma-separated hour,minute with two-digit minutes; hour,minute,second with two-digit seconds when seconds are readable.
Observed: 4,18
